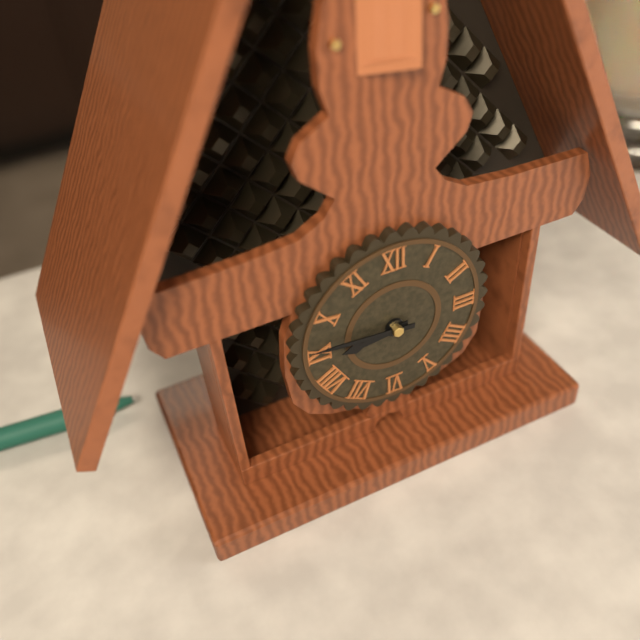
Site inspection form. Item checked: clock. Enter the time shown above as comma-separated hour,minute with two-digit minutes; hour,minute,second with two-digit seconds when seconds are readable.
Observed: 8,46
